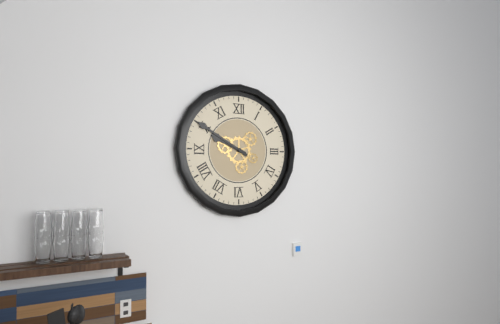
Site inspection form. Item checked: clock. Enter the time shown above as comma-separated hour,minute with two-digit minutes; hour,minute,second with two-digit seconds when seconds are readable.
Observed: 9,50
